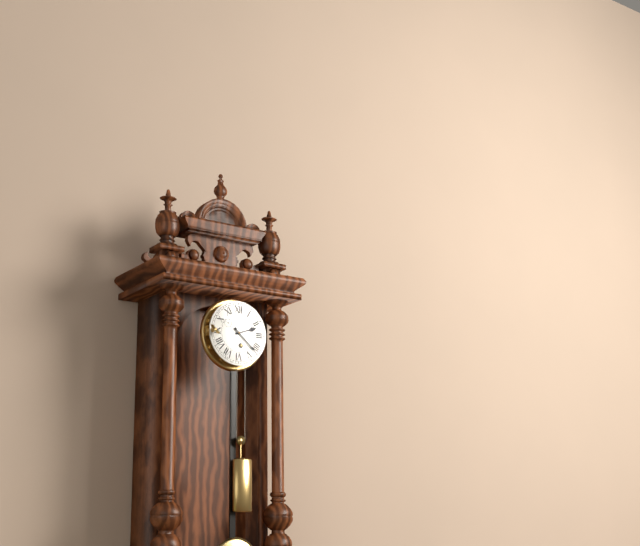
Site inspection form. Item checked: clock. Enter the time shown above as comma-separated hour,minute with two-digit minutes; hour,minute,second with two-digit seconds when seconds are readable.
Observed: 2,22
